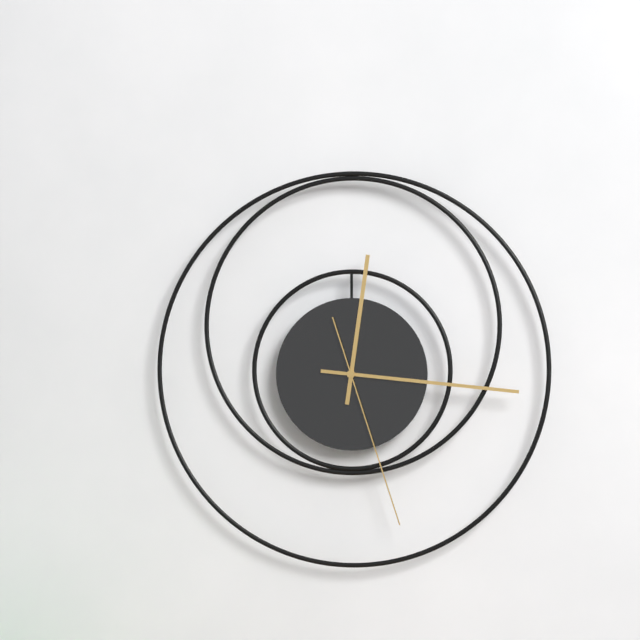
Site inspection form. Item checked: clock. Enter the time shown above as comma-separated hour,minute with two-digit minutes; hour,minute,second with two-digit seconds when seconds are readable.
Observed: 12,16,27
